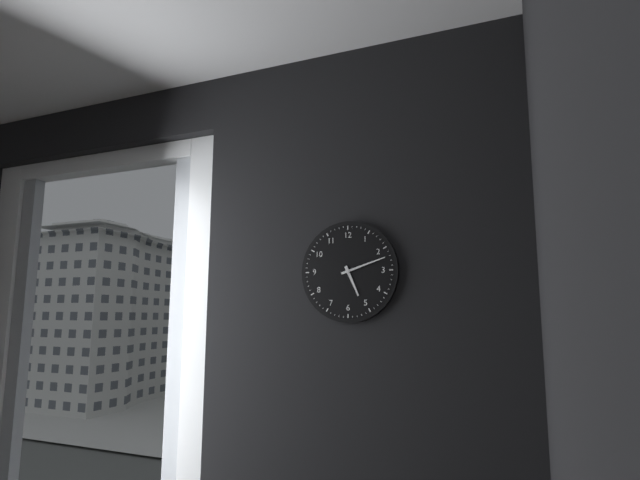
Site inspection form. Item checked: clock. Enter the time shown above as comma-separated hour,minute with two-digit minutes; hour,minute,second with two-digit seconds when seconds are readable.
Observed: 5,12
